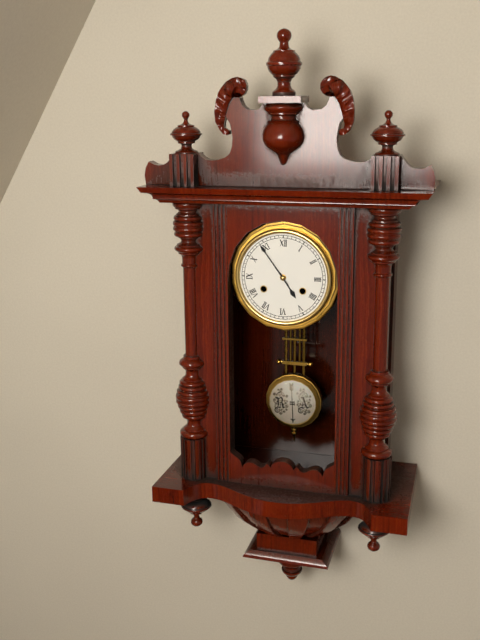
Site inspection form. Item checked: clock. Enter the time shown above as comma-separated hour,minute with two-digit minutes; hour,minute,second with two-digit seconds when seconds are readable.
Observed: 4,54
